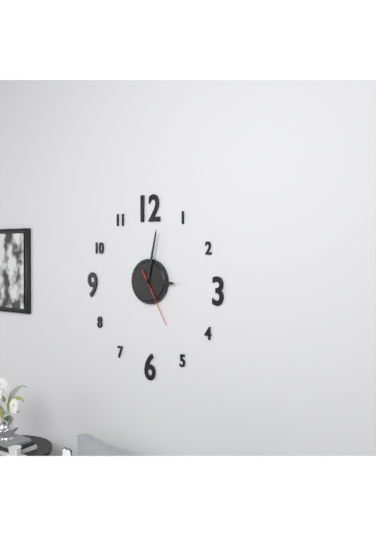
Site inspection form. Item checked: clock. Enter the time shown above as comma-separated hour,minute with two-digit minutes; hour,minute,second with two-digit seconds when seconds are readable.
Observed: 3,02,25
